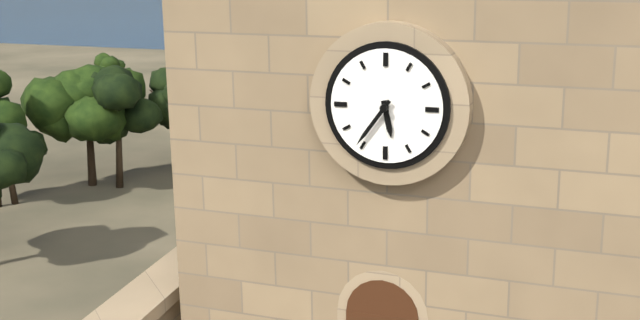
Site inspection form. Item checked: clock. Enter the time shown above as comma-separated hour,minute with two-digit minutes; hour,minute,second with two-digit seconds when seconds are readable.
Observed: 5,36
